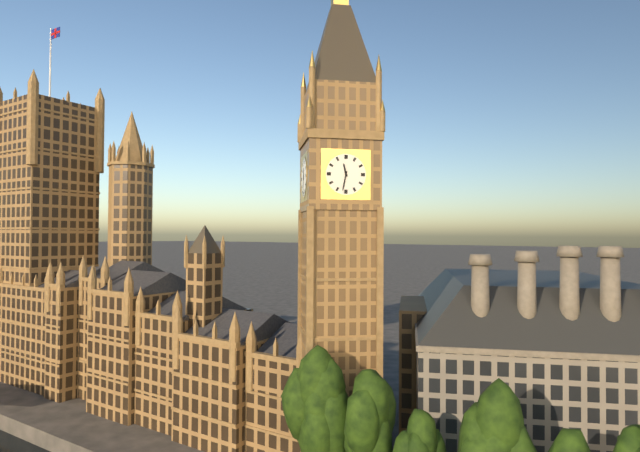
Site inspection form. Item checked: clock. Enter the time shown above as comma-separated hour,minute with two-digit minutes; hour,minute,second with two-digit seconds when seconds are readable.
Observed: 11,32
